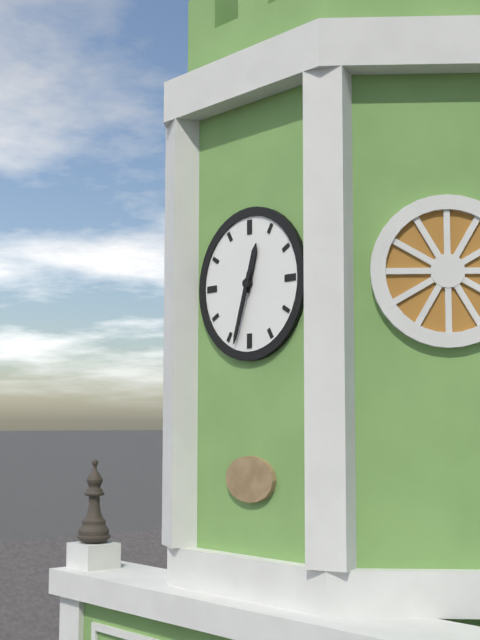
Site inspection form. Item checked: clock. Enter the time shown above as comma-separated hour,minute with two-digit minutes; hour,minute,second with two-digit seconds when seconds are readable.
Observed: 12,33
